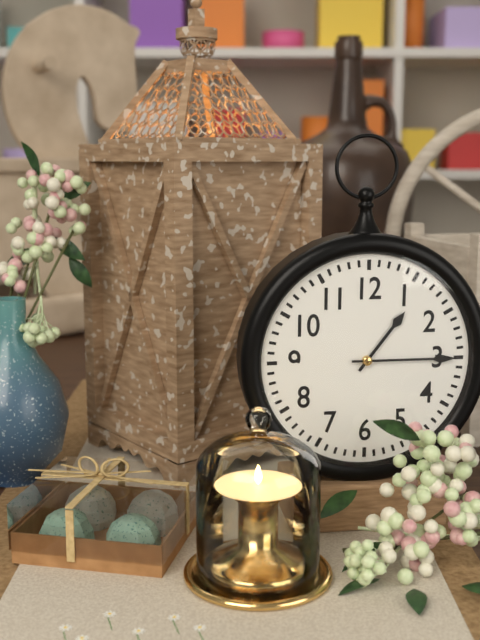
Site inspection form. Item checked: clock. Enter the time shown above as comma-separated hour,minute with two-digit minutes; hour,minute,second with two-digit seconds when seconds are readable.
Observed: 1,15
